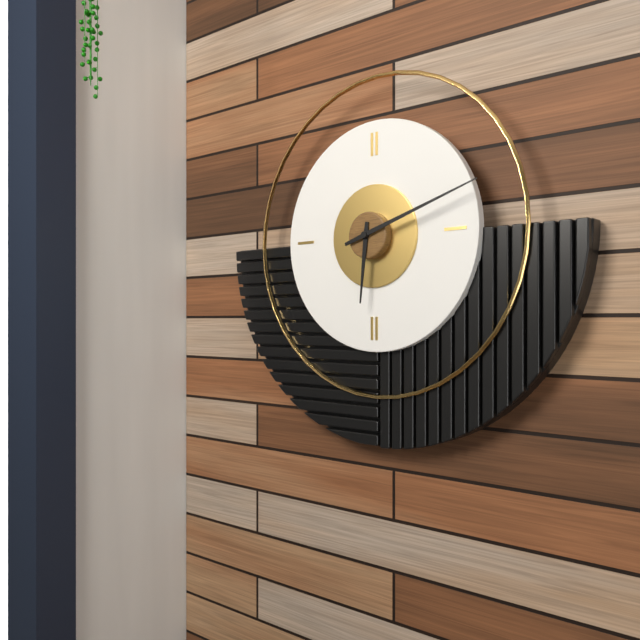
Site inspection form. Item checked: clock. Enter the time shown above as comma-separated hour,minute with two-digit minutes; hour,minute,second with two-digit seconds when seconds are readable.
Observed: 6,12
